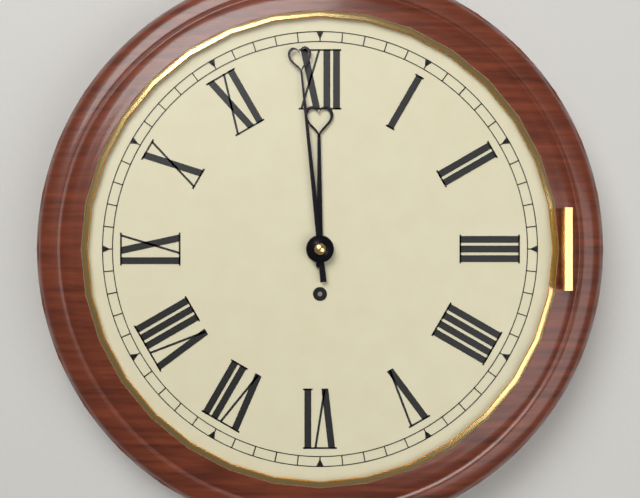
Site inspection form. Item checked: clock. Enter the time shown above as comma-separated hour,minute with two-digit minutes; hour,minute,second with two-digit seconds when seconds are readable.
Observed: 11,59
